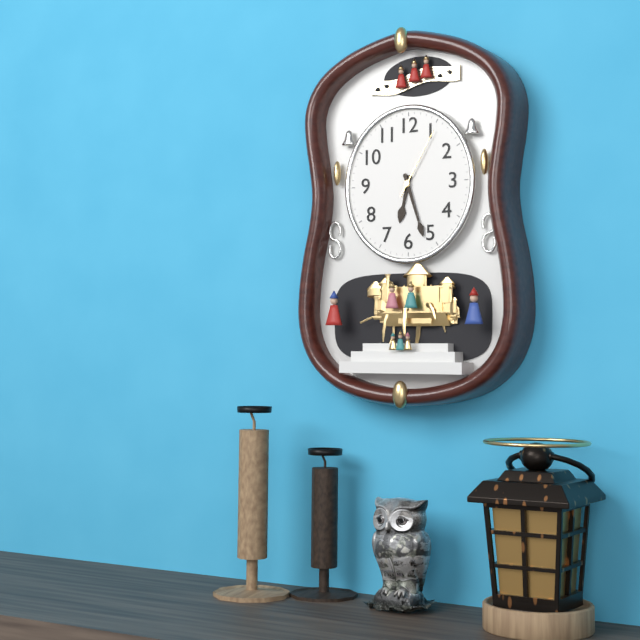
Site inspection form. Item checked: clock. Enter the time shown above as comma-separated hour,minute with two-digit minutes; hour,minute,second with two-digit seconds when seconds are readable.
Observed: 6,27,05
